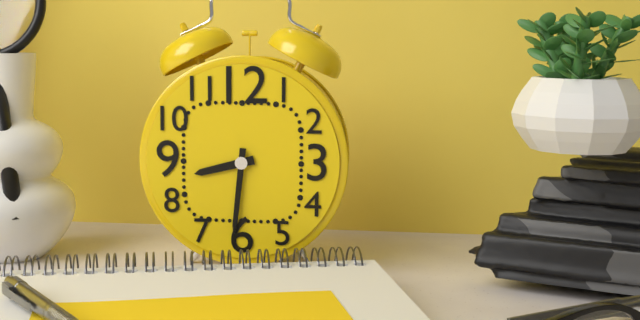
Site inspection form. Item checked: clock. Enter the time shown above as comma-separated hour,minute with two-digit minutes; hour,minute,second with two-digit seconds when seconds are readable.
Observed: 8,31
